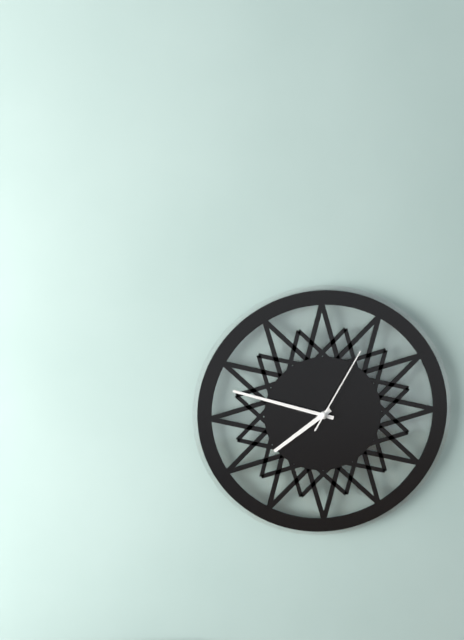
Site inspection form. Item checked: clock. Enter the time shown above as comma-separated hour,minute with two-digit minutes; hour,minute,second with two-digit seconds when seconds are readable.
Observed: 7,48,05
